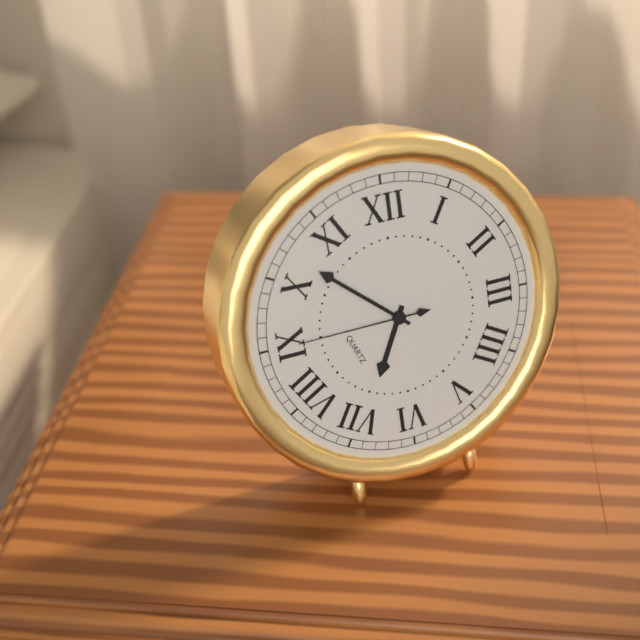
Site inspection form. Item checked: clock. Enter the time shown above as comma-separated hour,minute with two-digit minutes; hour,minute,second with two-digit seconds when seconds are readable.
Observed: 6,52,45
